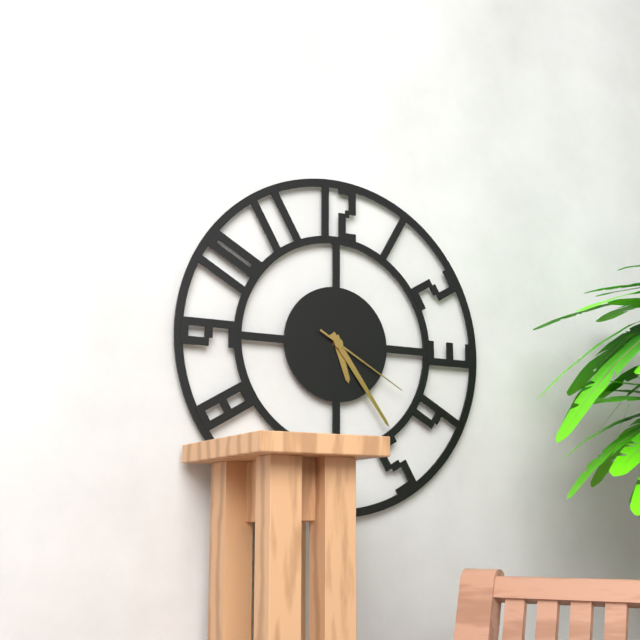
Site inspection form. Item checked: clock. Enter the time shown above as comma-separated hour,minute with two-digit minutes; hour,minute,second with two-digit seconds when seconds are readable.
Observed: 5,24,20
